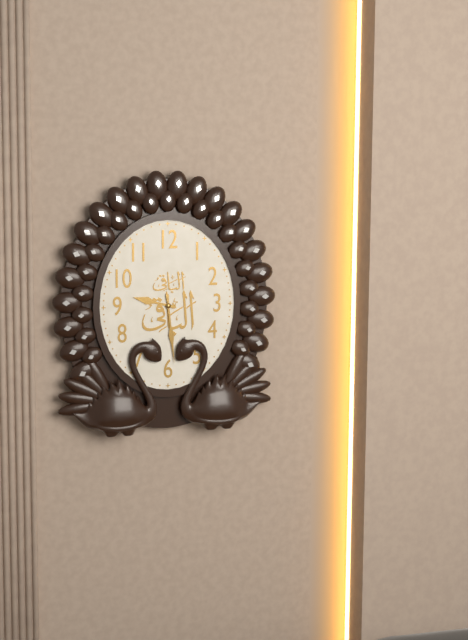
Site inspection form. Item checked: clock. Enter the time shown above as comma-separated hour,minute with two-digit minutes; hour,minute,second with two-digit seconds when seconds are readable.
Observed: 9,29
